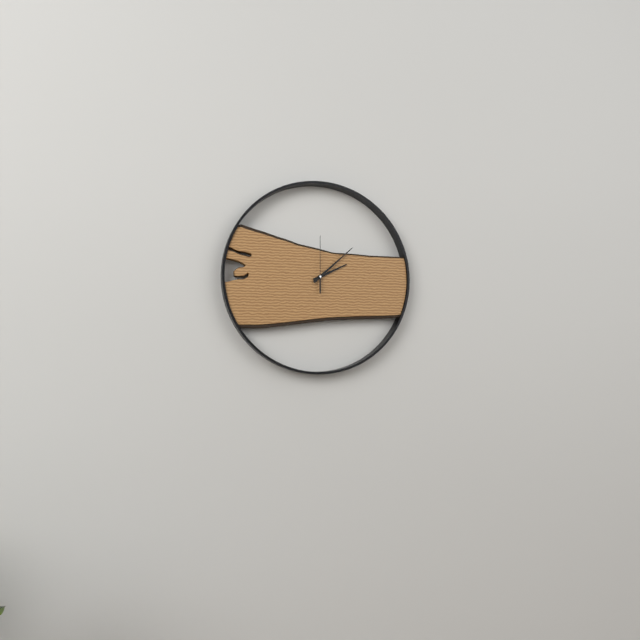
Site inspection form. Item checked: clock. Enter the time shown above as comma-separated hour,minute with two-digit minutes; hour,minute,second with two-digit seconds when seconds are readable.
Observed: 2,08,00
